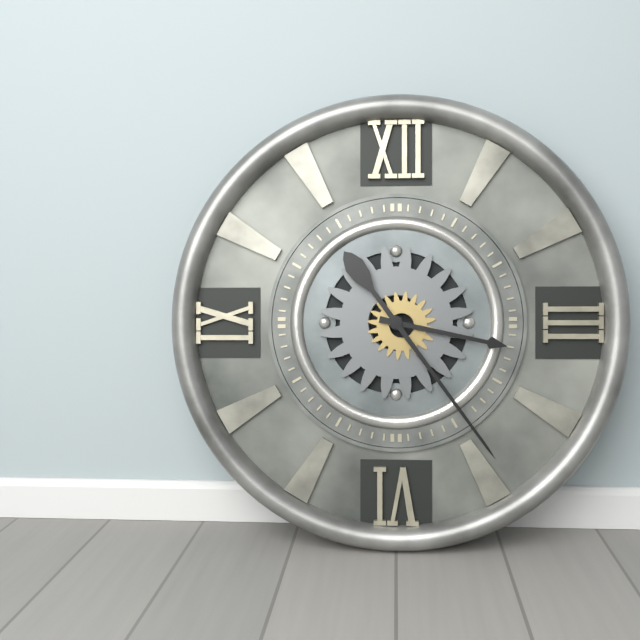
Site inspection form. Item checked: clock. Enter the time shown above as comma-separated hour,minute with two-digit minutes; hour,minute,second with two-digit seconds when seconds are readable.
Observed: 3,24
